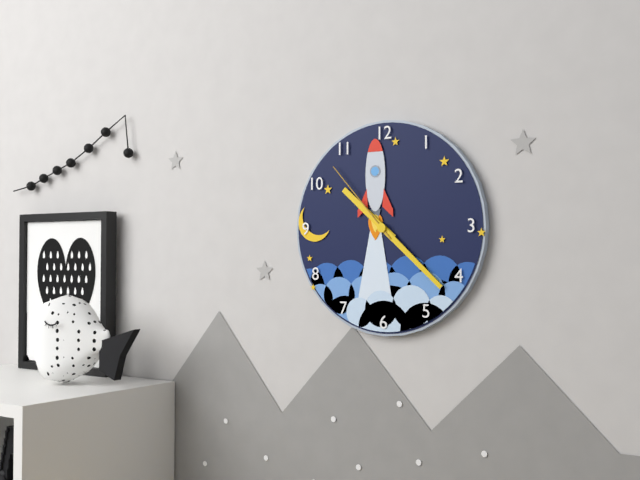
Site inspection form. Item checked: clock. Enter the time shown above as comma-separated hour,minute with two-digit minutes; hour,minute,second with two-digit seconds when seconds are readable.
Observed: 10,22,53
